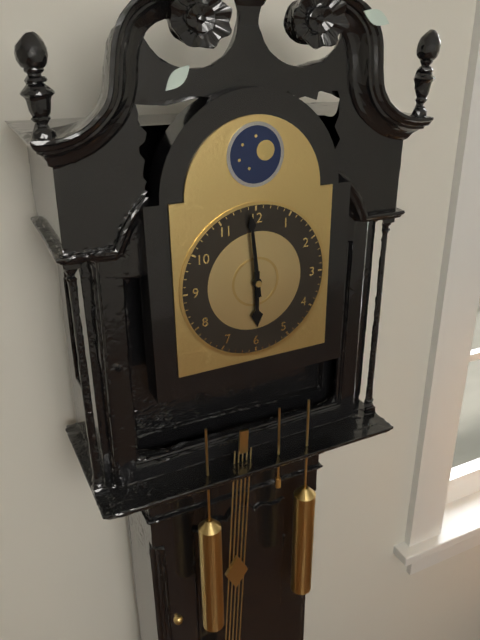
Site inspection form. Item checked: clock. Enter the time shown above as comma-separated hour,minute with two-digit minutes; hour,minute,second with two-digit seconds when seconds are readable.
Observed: 5,59
